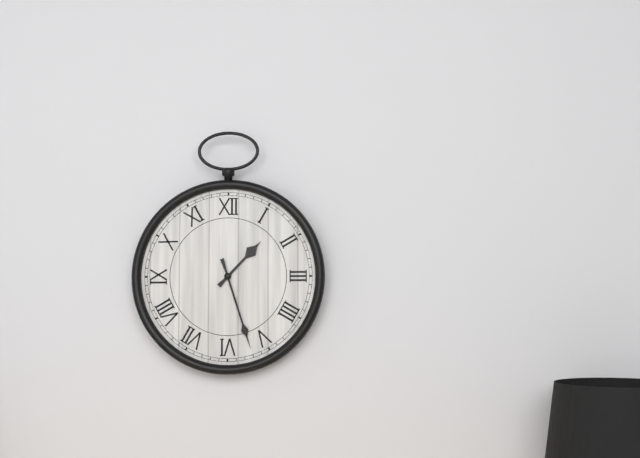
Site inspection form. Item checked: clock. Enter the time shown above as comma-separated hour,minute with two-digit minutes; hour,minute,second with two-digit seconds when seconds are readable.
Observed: 1,27
